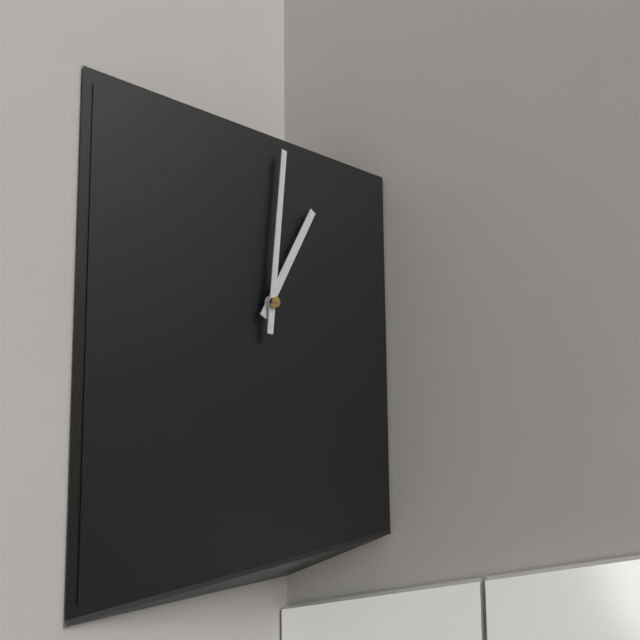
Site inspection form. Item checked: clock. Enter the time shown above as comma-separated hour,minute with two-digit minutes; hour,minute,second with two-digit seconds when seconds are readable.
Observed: 1,01
